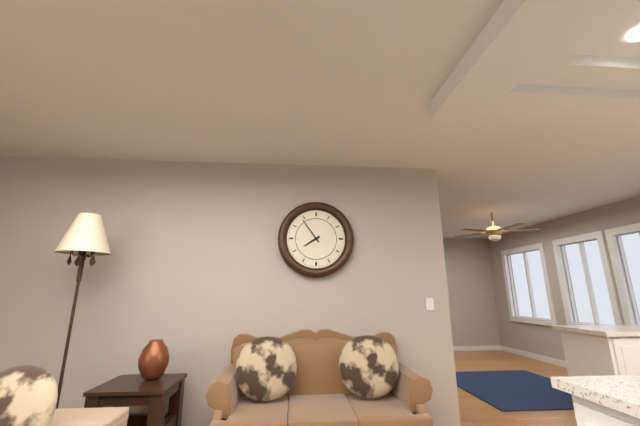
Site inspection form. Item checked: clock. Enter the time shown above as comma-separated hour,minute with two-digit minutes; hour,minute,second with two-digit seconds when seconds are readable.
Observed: 7,54
